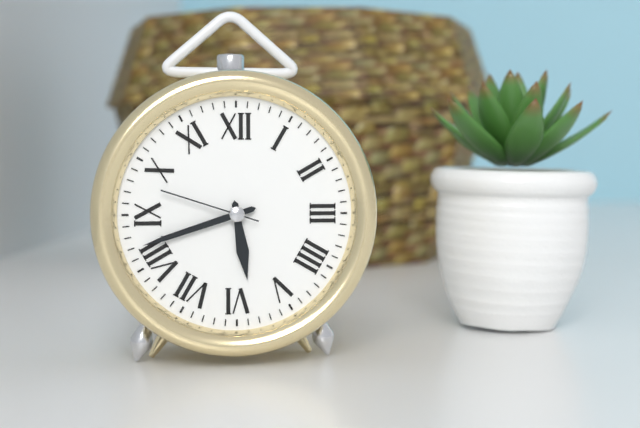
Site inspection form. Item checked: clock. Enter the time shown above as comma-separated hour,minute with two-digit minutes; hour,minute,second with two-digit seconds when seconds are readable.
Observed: 5,42,48
